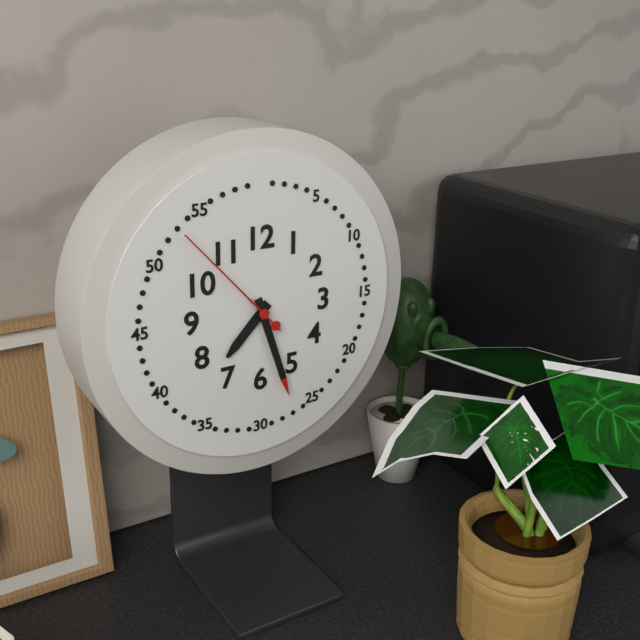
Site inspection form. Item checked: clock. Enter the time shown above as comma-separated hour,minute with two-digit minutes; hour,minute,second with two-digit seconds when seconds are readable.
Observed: 7,27,53
